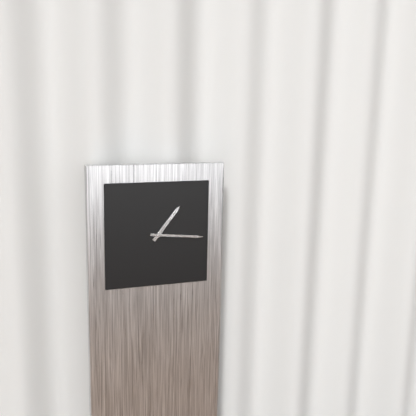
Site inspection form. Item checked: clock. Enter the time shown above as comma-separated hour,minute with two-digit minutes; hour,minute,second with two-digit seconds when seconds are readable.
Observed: 1,16
